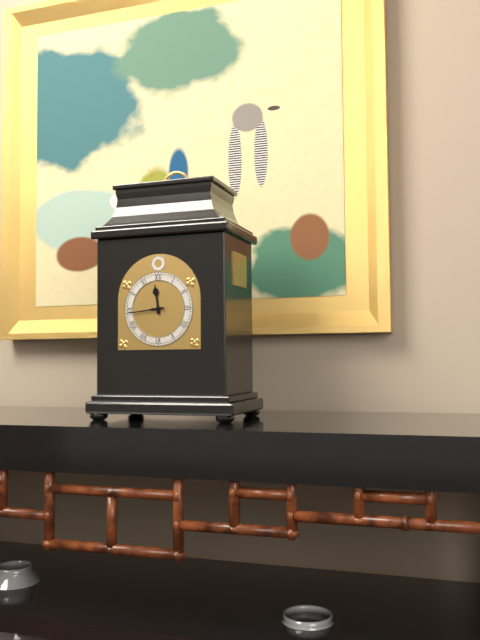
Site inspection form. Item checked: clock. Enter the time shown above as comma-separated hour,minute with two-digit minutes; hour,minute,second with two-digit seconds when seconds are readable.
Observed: 11,44
